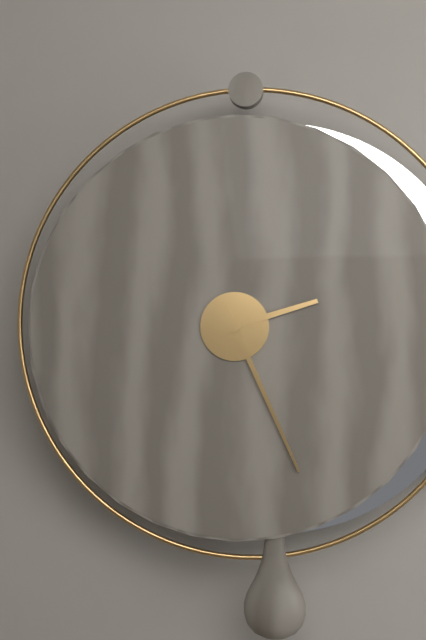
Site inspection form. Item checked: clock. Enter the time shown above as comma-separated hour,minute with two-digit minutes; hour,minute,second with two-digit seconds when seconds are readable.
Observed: 2,26
